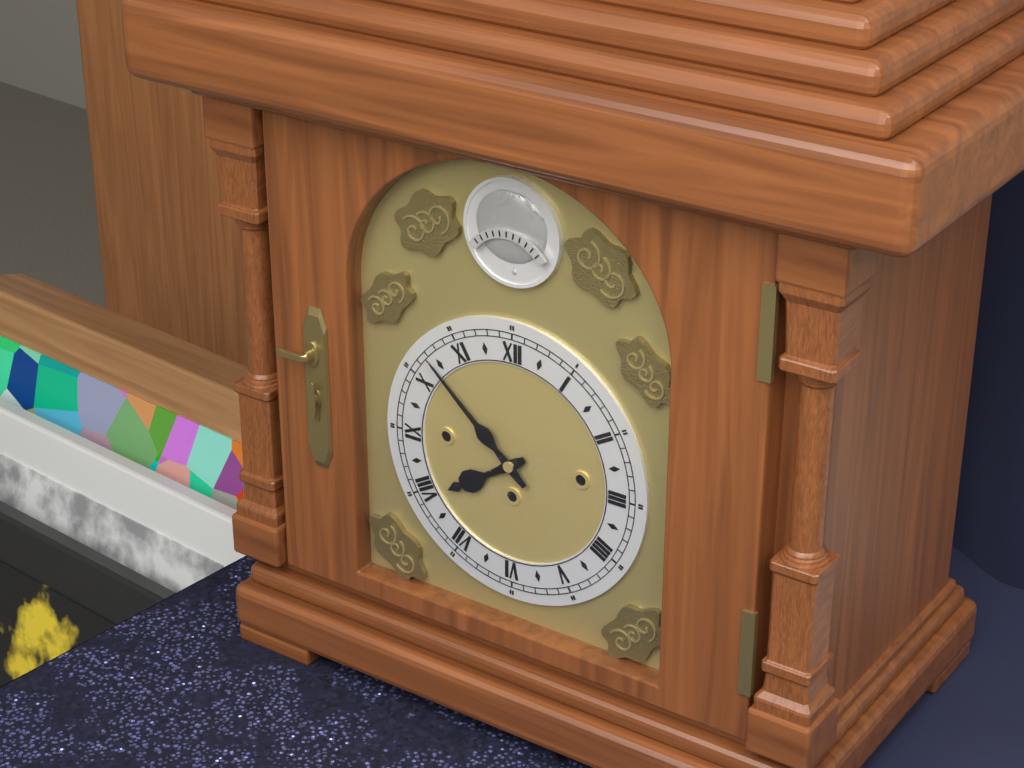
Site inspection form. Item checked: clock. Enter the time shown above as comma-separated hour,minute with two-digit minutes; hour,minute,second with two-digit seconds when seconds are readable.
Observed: 7,52
